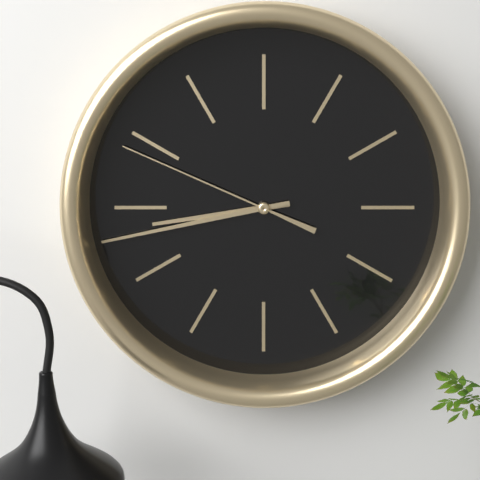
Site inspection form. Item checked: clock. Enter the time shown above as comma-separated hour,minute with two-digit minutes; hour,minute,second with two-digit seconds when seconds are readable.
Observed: 8,43,49
